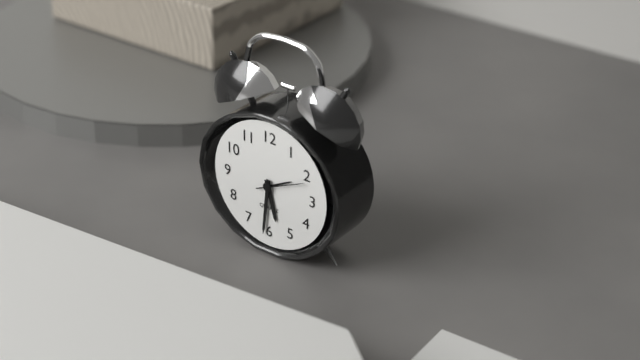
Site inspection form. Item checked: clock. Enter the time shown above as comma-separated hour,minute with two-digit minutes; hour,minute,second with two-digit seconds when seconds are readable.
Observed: 5,31
